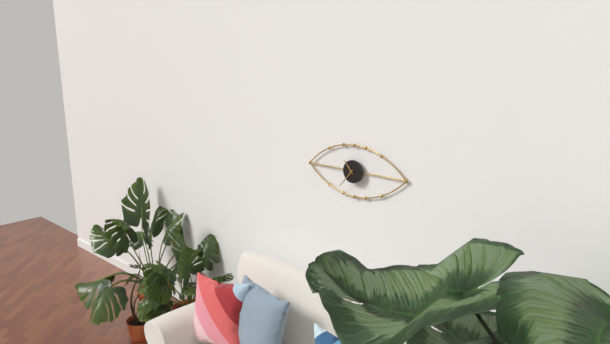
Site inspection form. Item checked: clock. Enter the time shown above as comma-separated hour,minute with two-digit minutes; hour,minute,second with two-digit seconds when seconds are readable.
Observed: 10,37
